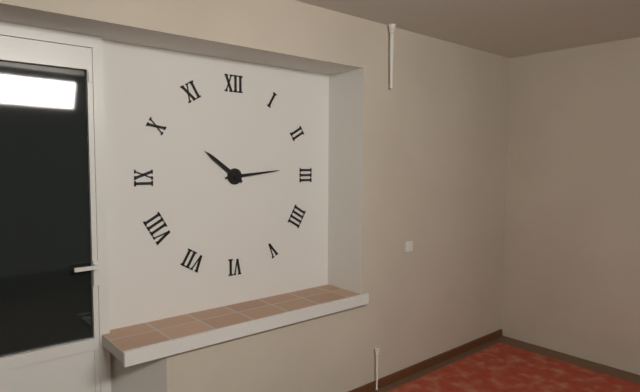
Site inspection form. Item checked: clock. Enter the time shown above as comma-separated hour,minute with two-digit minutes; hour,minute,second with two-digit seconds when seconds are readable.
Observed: 10,14
